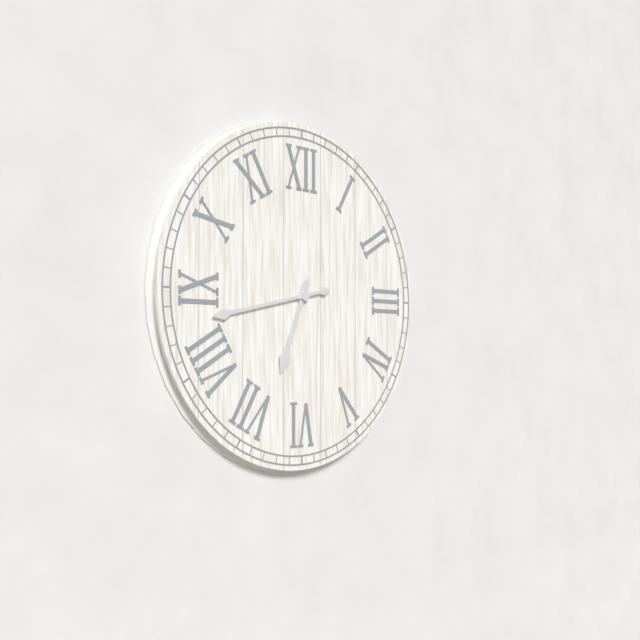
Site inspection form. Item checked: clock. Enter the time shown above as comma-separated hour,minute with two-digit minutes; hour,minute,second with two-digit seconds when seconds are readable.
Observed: 6,43
